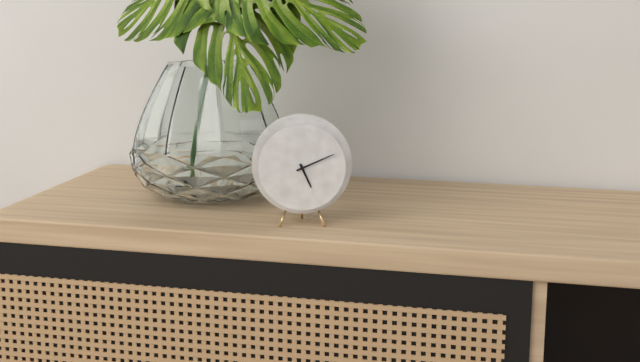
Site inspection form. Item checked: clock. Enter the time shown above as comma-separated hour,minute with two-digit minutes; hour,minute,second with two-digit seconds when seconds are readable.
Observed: 5,11
